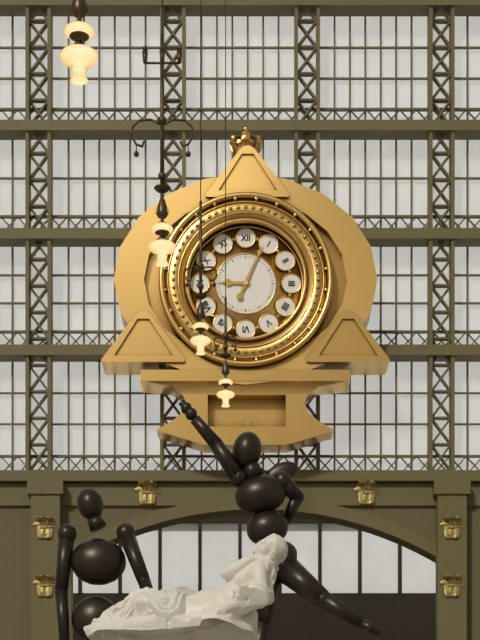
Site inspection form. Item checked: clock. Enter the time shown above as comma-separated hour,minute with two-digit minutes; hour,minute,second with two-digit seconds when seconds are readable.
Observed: 9,04
